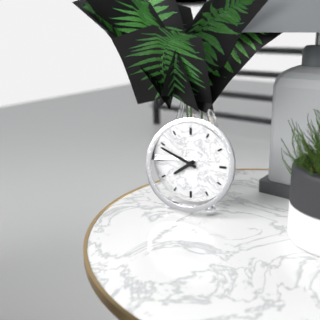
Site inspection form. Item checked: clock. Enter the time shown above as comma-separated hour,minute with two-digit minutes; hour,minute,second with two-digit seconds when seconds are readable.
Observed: 7,49
